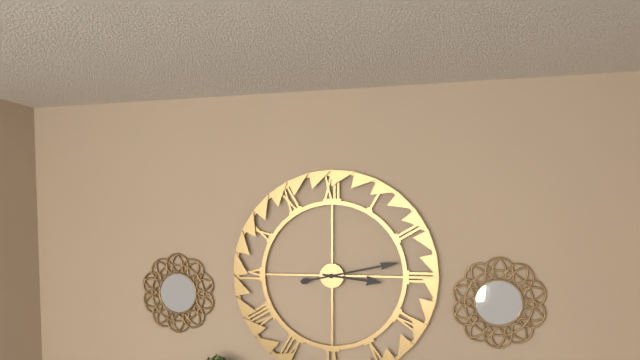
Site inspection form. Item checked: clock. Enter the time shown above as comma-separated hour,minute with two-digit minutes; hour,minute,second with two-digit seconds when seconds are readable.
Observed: 3,13
